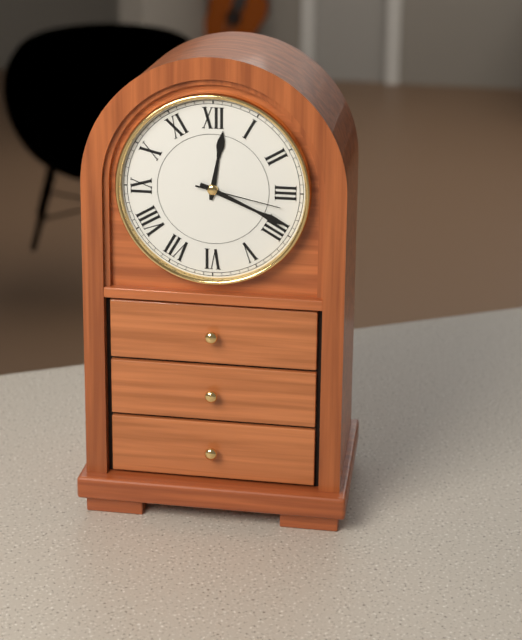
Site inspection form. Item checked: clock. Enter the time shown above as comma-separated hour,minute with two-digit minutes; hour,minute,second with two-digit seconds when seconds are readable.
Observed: 12,19,17
